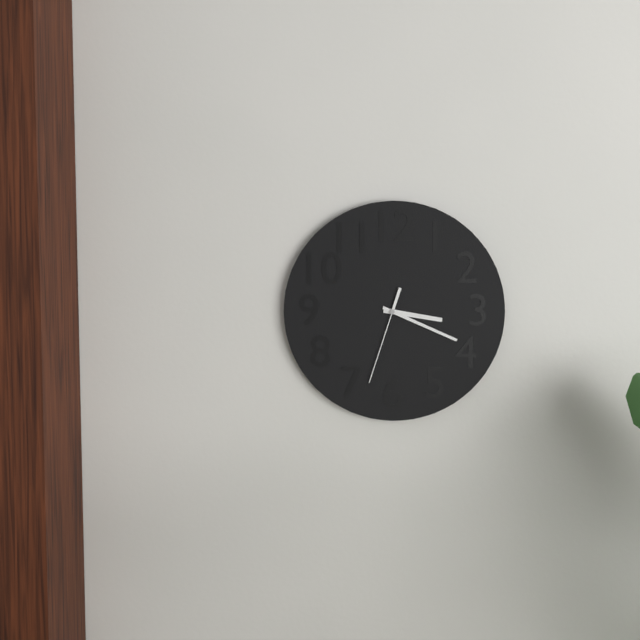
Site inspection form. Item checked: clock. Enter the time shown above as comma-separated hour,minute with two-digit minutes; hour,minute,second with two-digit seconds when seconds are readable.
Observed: 3,19,33
